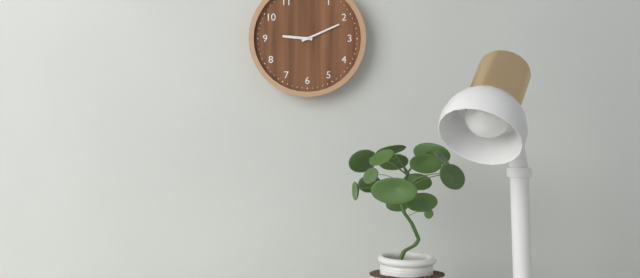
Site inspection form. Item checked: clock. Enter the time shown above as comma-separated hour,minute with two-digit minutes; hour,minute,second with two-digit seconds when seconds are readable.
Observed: 9,11
